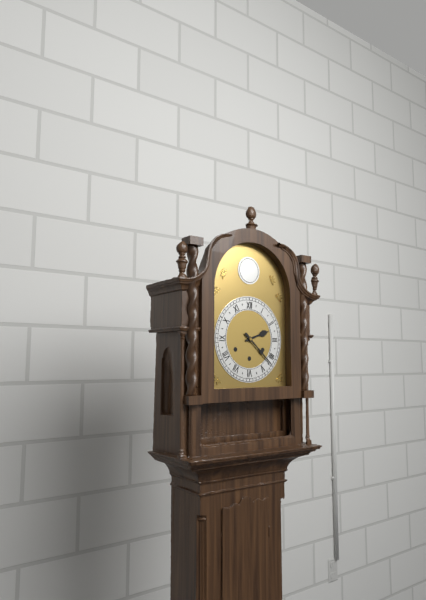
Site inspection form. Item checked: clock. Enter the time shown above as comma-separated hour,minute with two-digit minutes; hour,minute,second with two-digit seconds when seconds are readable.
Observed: 2,22
